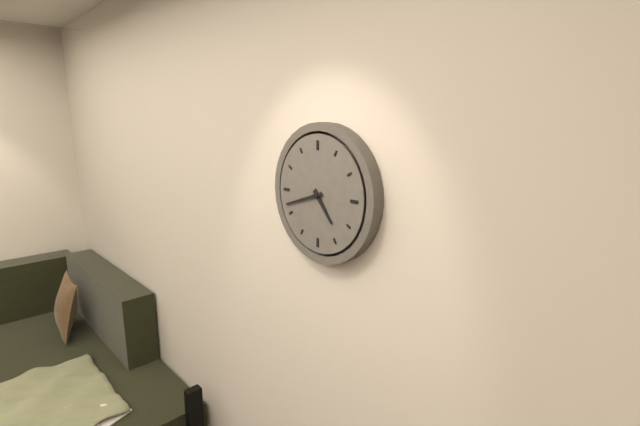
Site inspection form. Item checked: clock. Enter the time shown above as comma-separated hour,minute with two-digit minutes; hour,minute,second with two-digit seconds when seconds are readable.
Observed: 4,42
